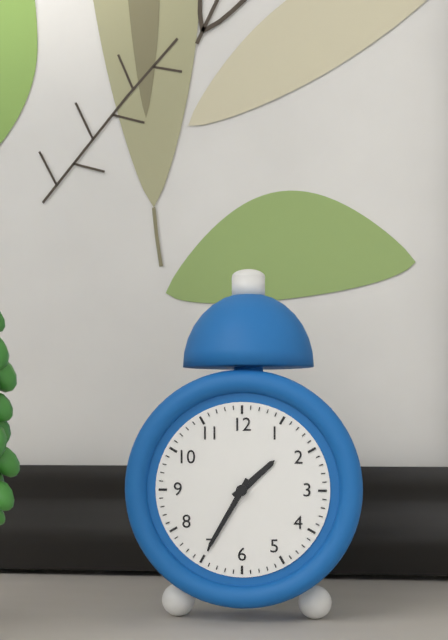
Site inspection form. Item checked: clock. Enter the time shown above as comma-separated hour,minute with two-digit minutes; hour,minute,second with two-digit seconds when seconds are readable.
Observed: 1,35
